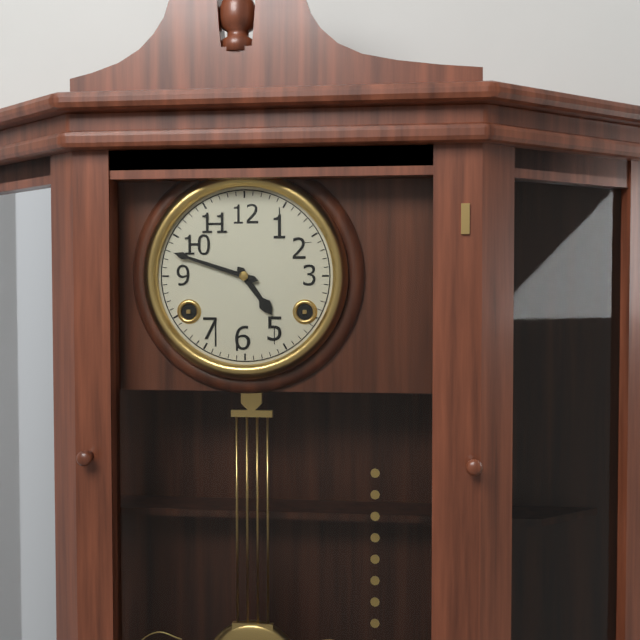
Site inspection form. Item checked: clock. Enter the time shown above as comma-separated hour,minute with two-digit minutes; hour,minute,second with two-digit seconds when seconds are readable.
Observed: 4,48
